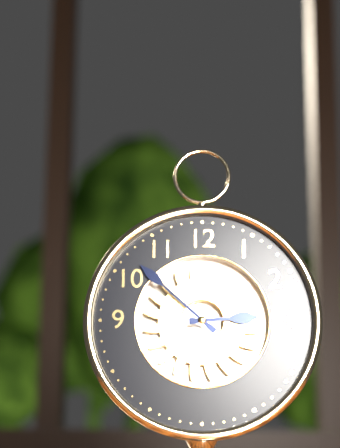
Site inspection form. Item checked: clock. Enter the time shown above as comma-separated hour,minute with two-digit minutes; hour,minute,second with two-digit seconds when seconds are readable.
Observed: 2,52
